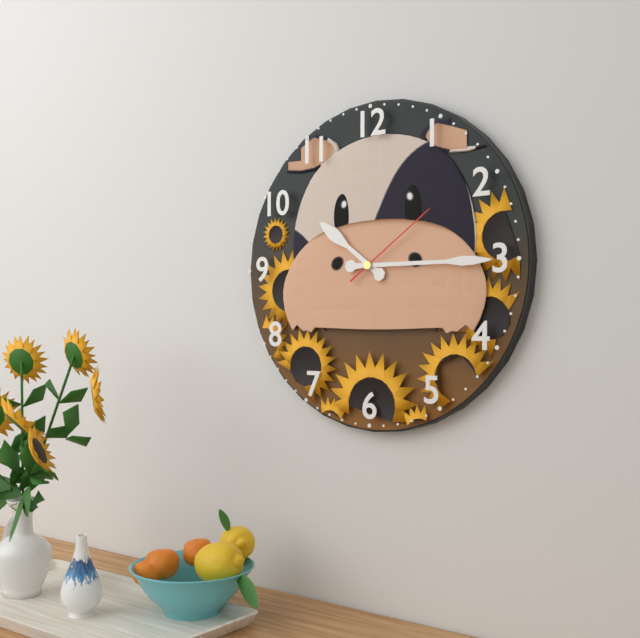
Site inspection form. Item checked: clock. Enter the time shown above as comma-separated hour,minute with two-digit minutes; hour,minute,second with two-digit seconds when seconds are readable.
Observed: 10,15,09
